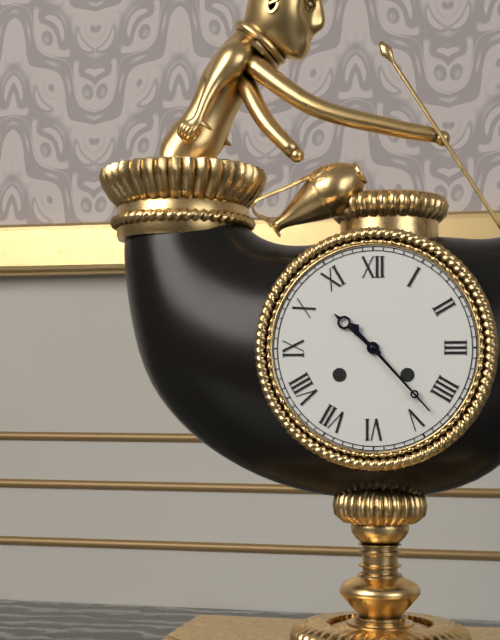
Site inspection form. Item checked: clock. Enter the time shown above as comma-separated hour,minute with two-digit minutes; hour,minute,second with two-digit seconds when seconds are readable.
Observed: 10,23
